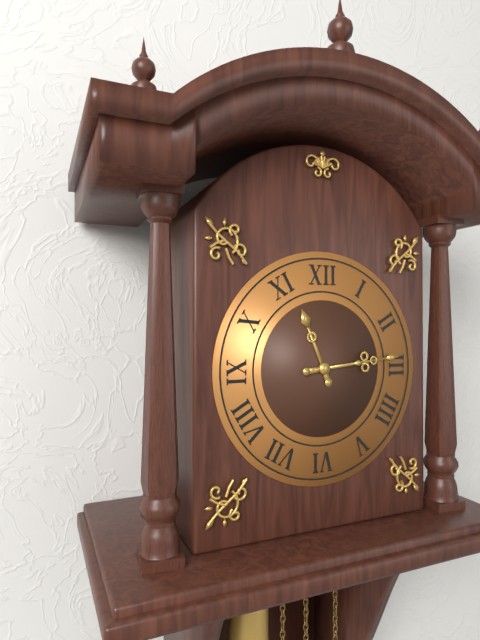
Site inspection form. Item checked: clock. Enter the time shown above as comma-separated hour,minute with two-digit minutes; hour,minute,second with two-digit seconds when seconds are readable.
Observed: 11,14
